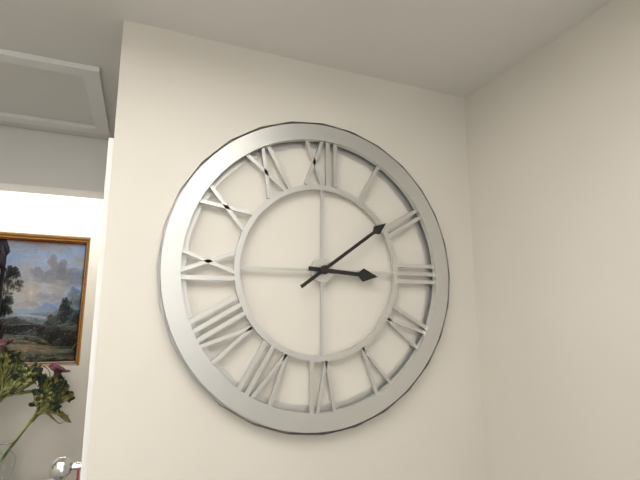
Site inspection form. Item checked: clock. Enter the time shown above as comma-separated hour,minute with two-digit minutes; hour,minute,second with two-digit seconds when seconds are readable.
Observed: 3,09
